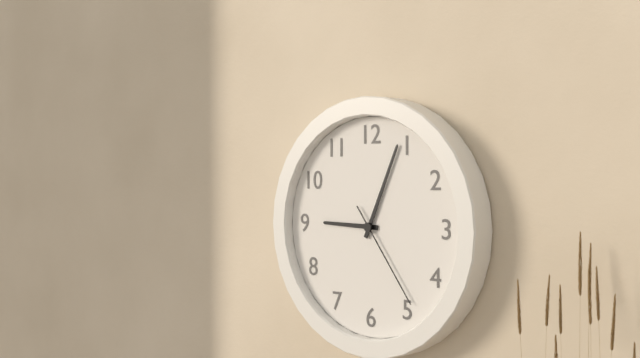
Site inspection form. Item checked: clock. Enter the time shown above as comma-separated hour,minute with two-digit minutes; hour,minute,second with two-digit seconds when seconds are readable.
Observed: 9,04,24
